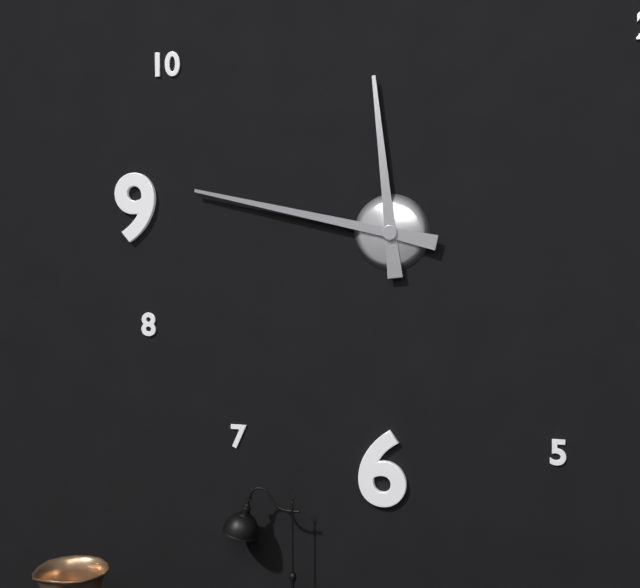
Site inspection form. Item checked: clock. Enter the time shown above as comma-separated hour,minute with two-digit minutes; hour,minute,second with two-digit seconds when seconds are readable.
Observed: 11,47
